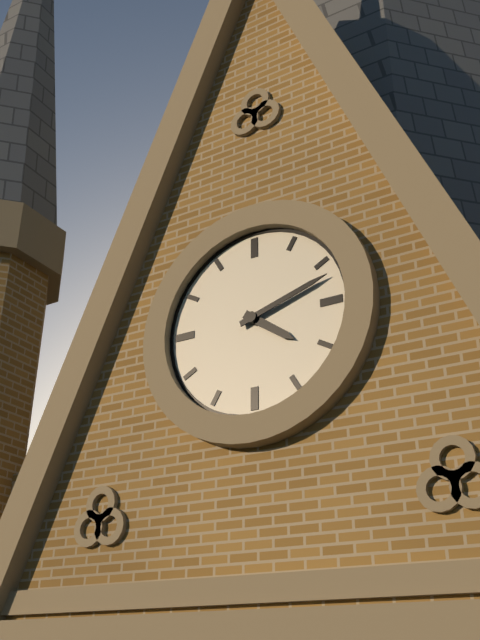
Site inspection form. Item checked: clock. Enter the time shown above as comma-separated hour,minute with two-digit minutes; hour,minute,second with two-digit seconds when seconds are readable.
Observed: 4,12
